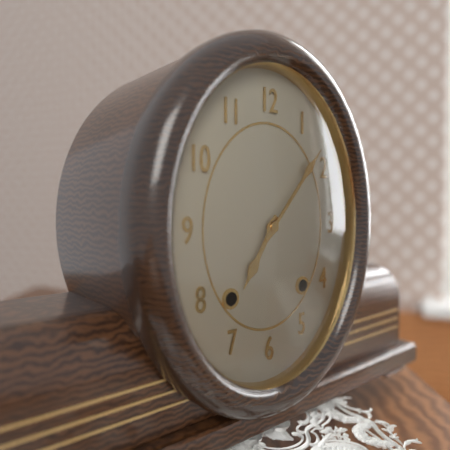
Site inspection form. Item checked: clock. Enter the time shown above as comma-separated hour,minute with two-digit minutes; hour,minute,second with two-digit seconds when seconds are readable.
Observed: 7,07
